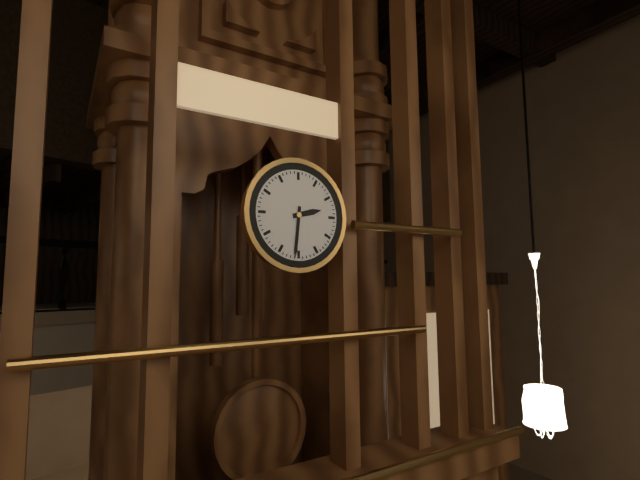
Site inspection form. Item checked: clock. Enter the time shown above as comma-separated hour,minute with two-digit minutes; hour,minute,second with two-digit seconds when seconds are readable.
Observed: 2,31
